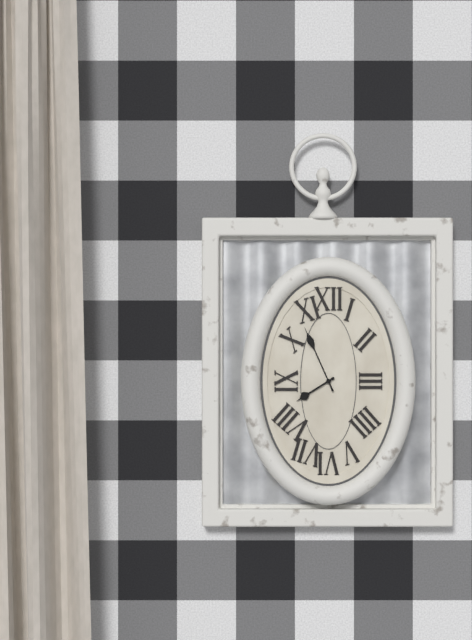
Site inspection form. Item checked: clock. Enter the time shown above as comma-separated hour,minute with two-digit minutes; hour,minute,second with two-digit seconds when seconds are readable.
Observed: 7,56
